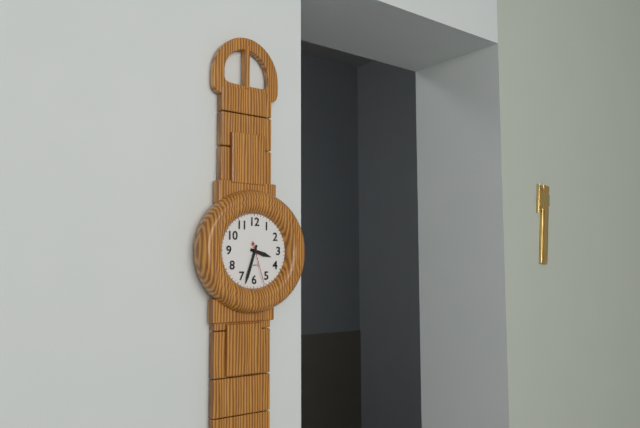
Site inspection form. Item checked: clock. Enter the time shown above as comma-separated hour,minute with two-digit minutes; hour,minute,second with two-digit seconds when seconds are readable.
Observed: 3,33
